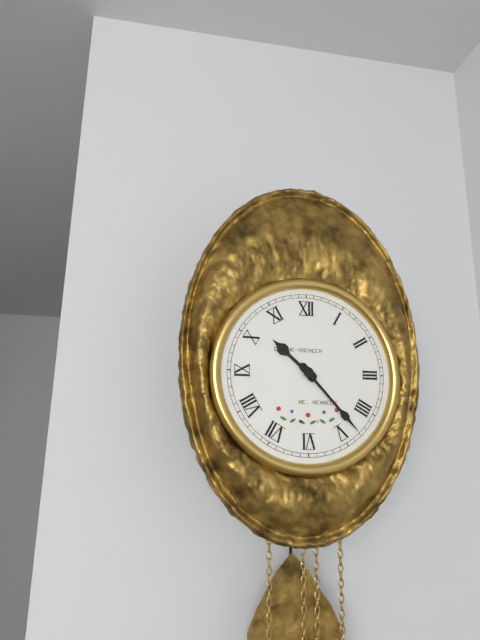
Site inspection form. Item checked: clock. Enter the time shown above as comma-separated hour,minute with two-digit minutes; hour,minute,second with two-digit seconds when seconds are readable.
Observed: 10,23
